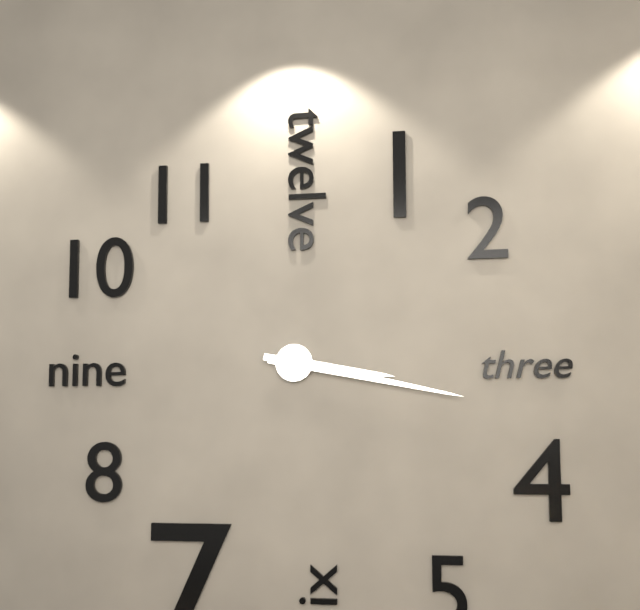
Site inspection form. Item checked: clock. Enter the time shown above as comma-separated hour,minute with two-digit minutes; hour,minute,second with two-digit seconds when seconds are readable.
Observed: 3,17
